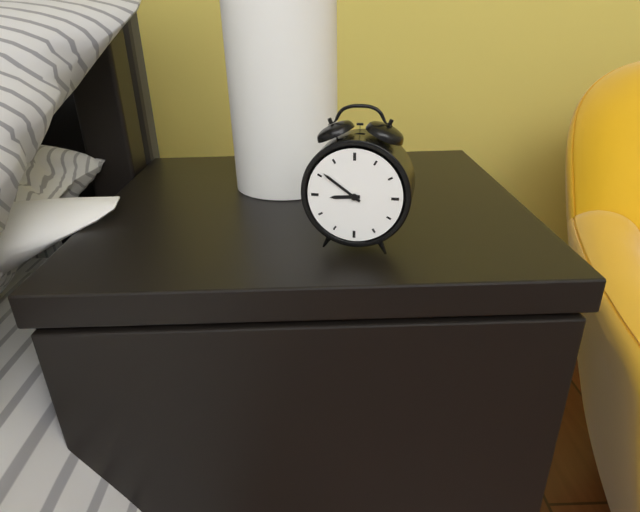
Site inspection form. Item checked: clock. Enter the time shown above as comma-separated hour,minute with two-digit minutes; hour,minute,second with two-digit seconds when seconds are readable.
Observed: 8,51
